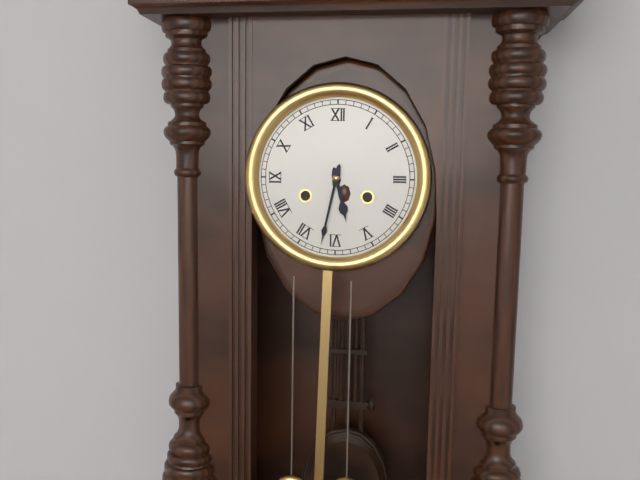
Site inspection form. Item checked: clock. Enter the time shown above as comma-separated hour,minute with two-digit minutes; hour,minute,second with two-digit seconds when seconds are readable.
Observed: 5,32
